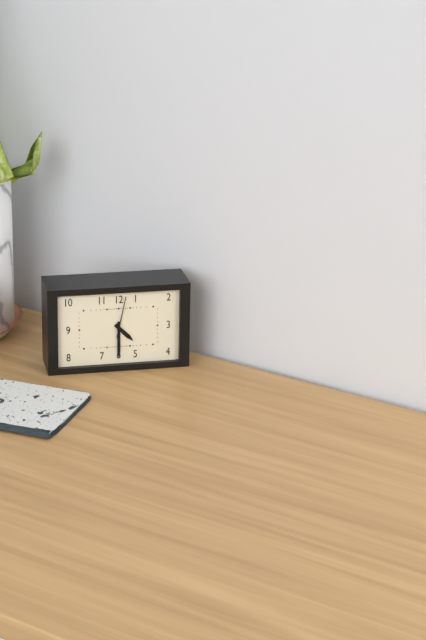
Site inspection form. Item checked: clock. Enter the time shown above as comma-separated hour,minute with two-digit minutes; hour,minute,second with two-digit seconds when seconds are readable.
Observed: 4,30
